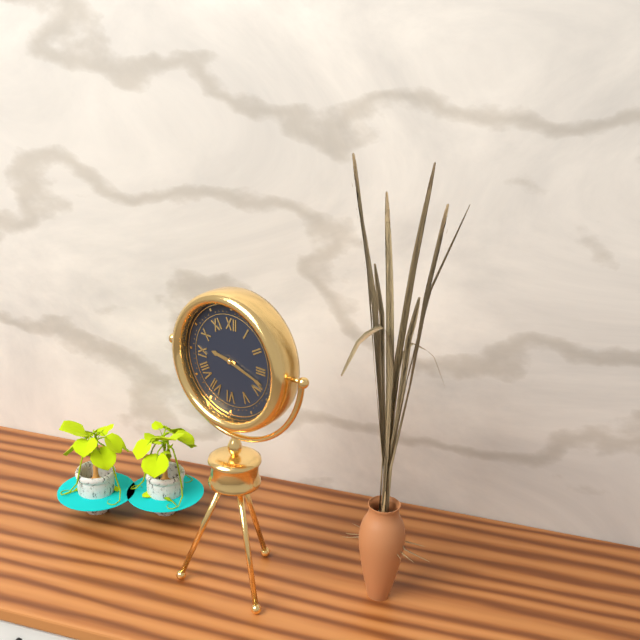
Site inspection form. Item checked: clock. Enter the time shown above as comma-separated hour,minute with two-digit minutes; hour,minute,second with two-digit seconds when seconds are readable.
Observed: 9,18
